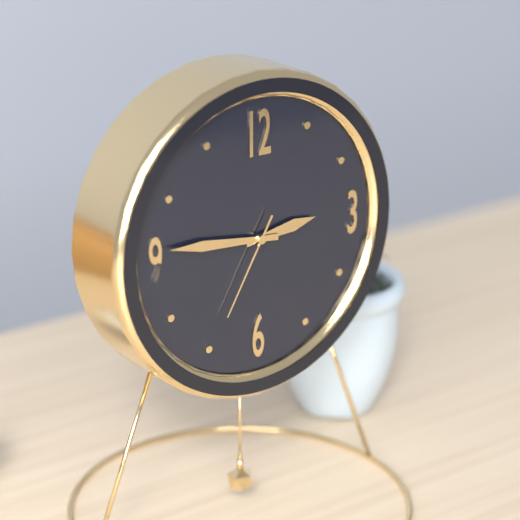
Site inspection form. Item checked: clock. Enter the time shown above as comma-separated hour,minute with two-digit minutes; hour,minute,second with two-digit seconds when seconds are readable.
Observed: 2,46,35
